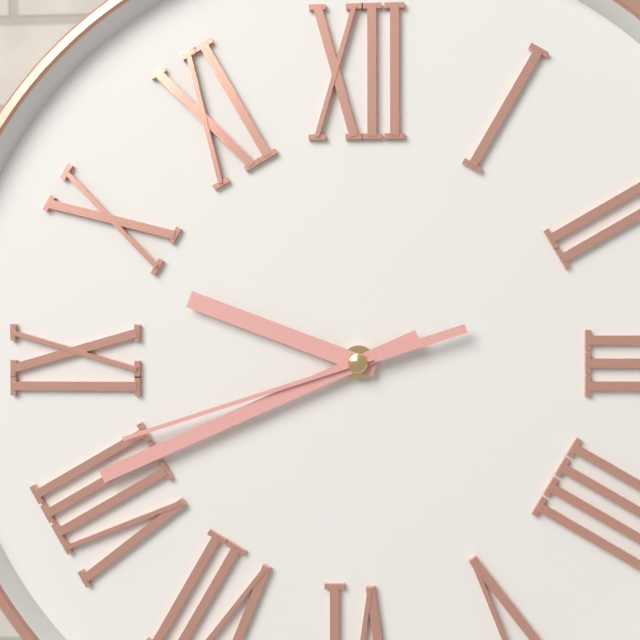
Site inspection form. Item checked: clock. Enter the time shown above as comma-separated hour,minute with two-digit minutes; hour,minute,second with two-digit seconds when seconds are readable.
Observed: 9,41,42
